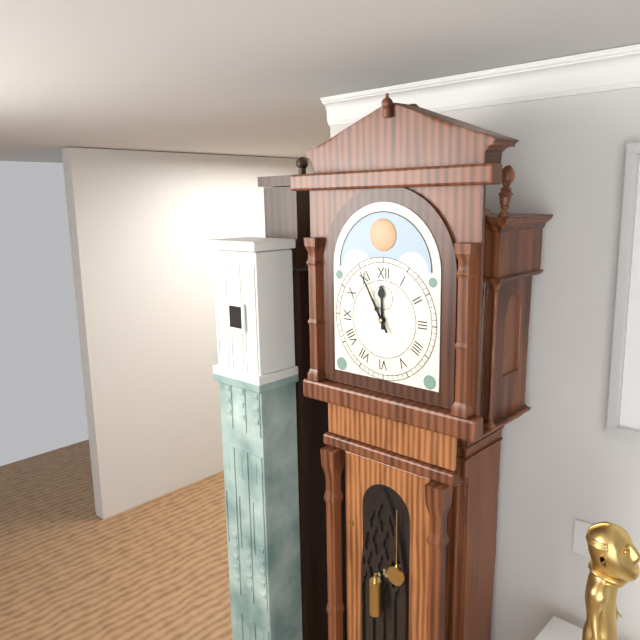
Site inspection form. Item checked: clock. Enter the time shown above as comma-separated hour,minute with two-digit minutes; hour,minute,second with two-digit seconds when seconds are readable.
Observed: 11,55
